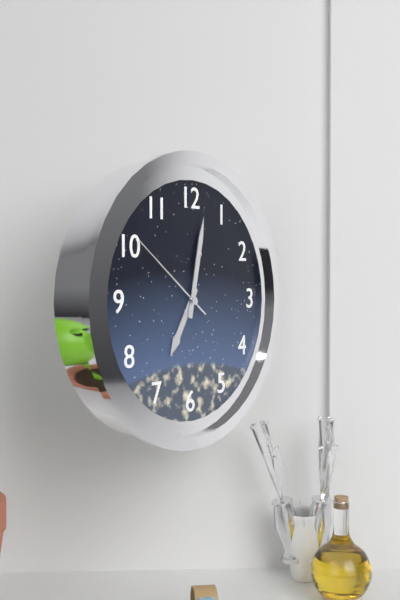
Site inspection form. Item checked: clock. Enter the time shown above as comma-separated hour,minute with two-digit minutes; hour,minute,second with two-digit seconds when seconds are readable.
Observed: 7,02,51
